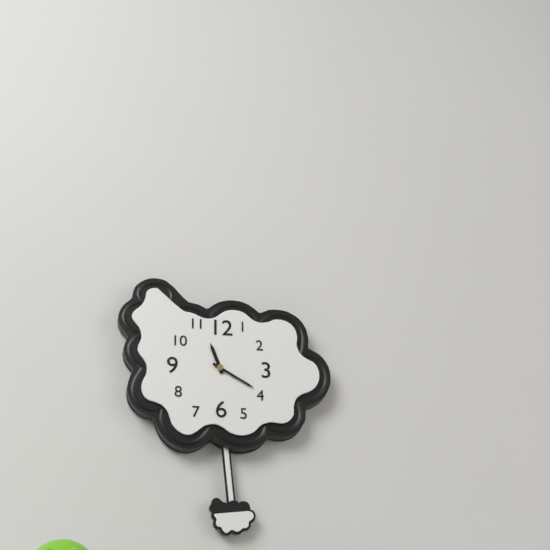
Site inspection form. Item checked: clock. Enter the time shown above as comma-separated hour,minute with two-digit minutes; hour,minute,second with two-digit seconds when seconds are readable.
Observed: 11,20
